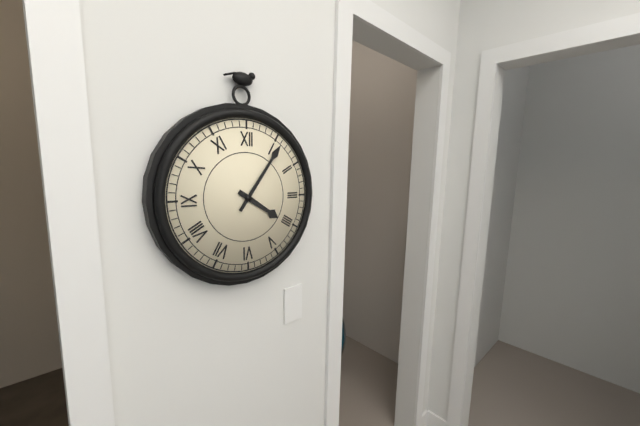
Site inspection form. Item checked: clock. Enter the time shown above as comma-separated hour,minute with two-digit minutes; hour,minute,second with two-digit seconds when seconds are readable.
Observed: 4,06
